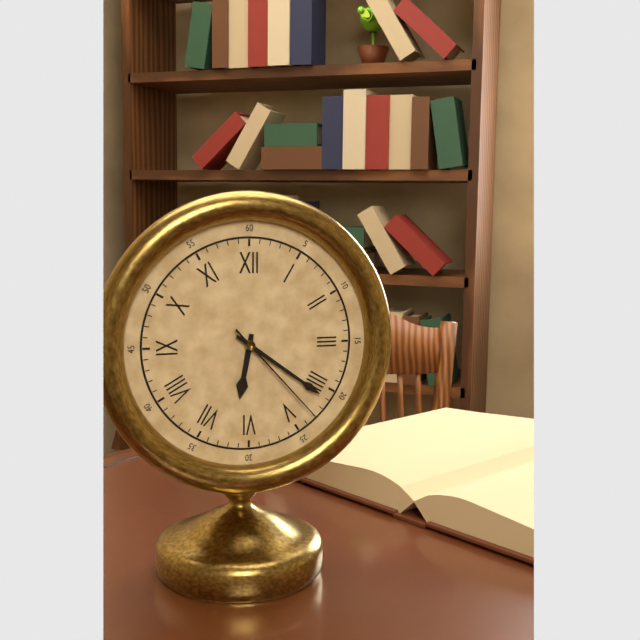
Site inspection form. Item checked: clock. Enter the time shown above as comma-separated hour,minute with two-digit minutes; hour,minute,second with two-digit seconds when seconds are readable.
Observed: 6,21,23
